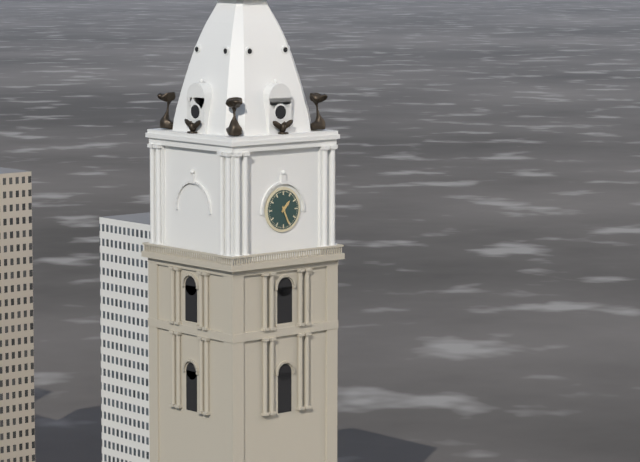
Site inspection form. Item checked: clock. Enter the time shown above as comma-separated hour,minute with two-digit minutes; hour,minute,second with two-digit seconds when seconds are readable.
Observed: 1,26
